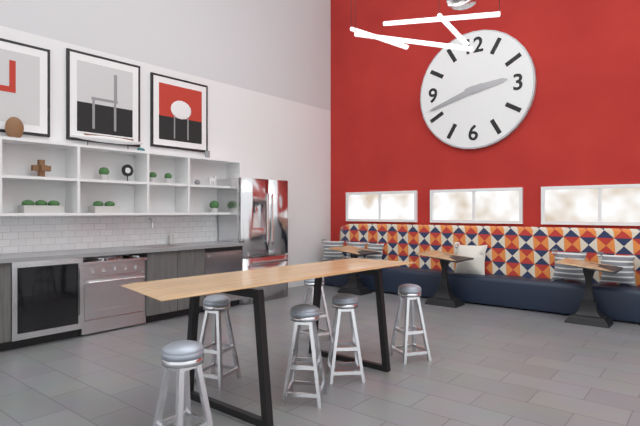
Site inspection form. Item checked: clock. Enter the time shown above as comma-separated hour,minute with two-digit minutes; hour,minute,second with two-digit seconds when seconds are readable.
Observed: 2,42
